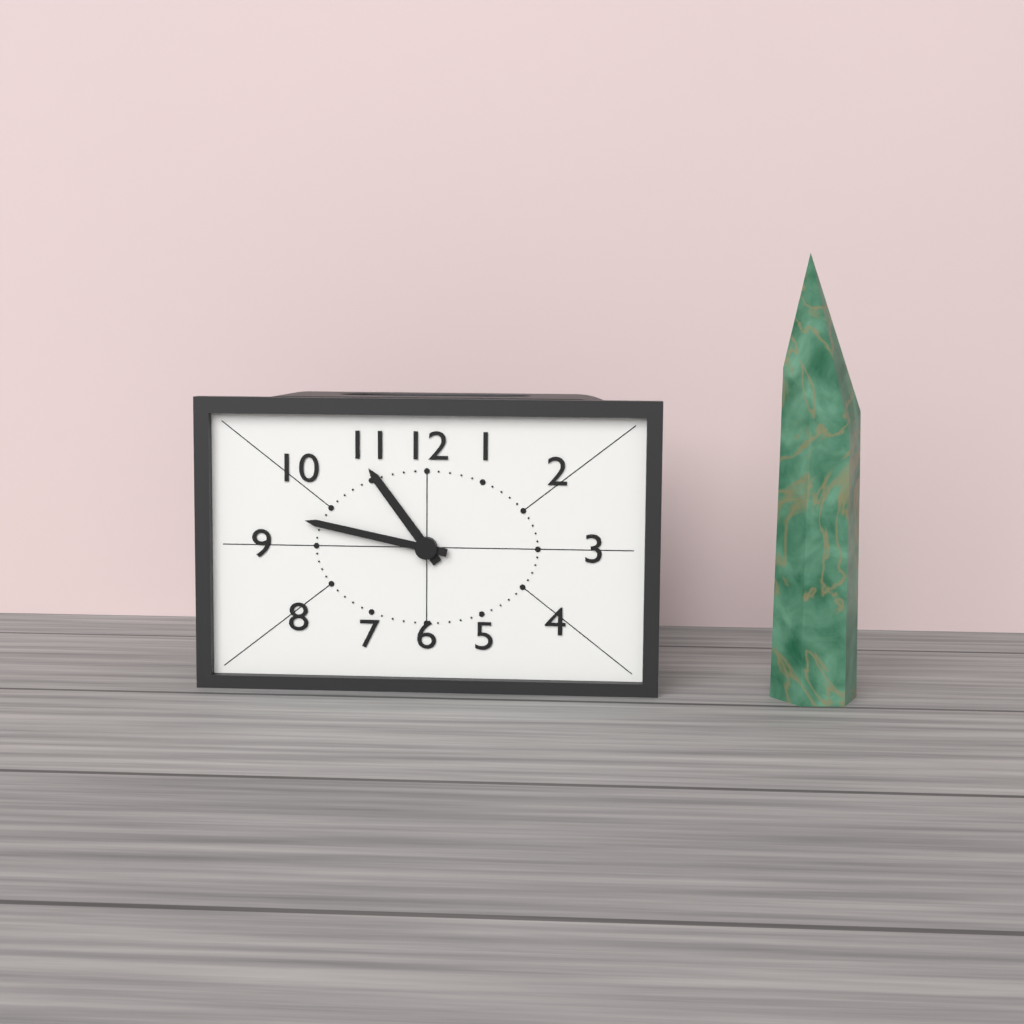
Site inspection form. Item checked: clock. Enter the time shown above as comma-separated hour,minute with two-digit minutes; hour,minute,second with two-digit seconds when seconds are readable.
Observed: 10,47
